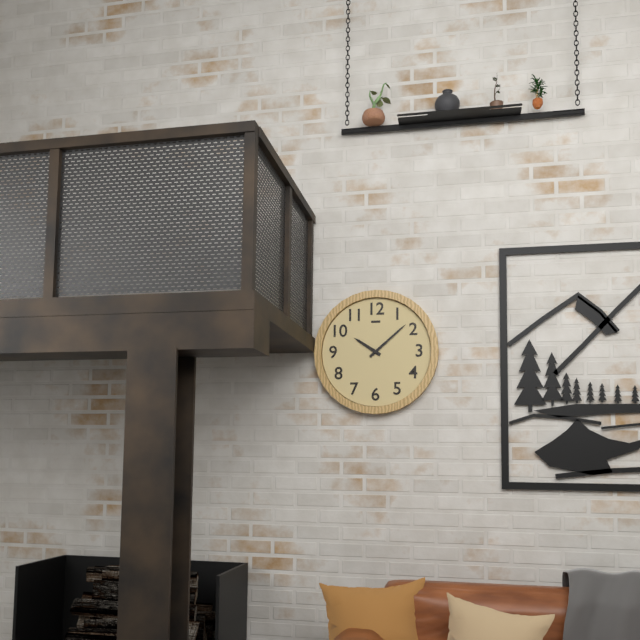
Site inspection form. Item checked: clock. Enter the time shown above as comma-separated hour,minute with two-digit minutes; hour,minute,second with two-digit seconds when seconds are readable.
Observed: 10,08
